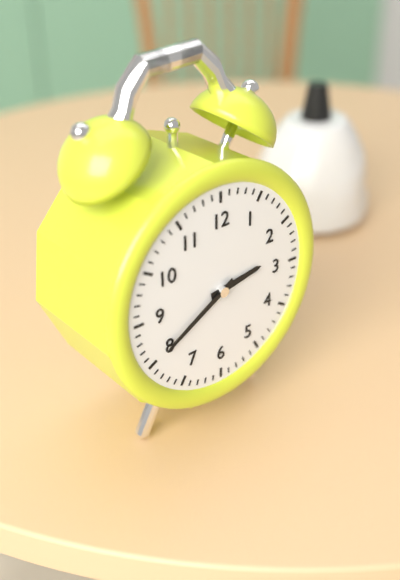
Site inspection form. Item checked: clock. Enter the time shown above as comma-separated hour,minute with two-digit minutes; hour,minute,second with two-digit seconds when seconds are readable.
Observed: 2,40
